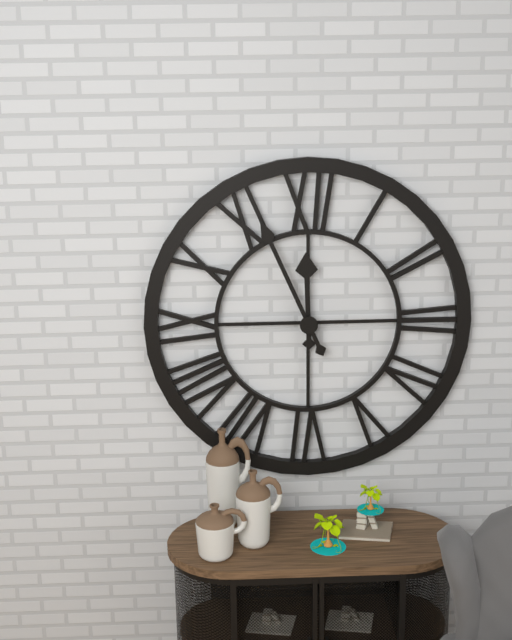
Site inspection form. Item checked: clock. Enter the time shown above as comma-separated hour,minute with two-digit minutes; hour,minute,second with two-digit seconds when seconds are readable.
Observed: 11,56
